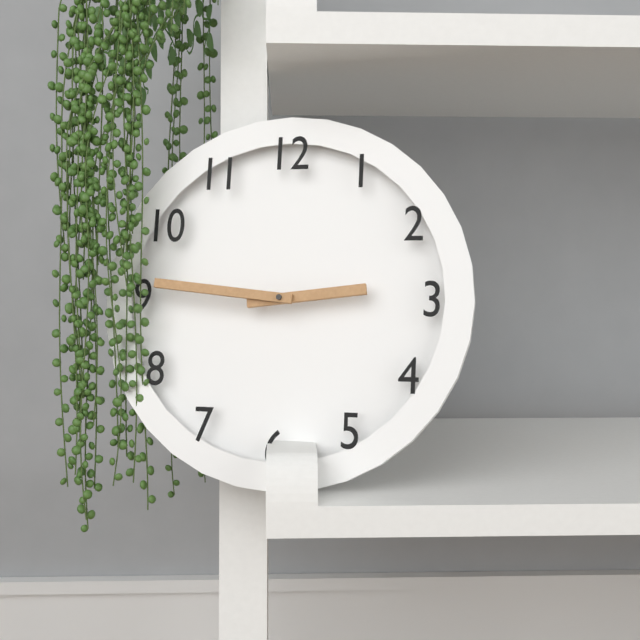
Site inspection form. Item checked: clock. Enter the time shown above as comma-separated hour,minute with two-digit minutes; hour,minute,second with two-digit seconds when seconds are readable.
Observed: 2,46
